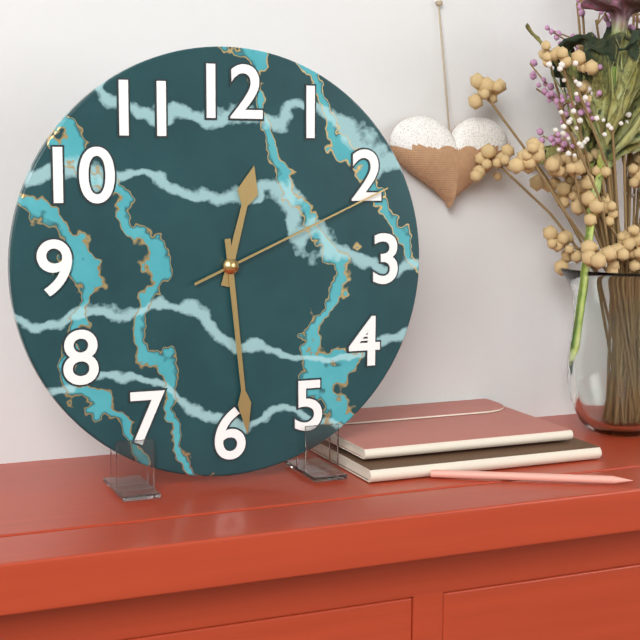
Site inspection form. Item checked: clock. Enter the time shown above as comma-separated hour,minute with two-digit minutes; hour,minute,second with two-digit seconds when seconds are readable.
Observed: 12,29,11
